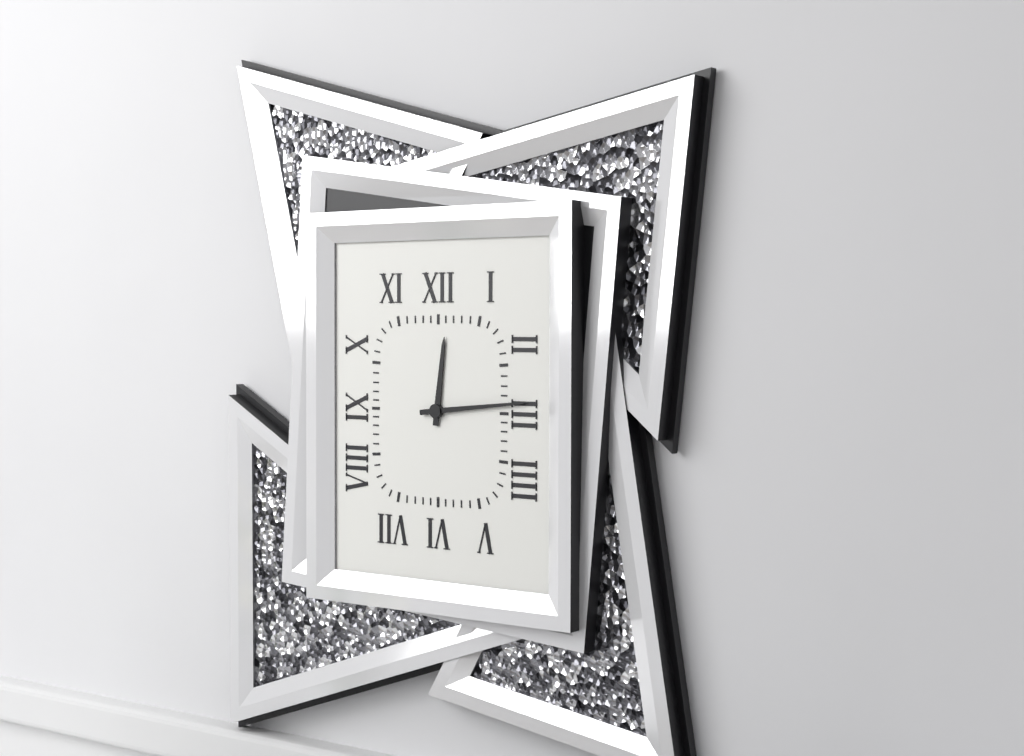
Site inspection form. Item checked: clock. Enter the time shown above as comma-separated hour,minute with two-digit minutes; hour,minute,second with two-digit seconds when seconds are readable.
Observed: 12,14
